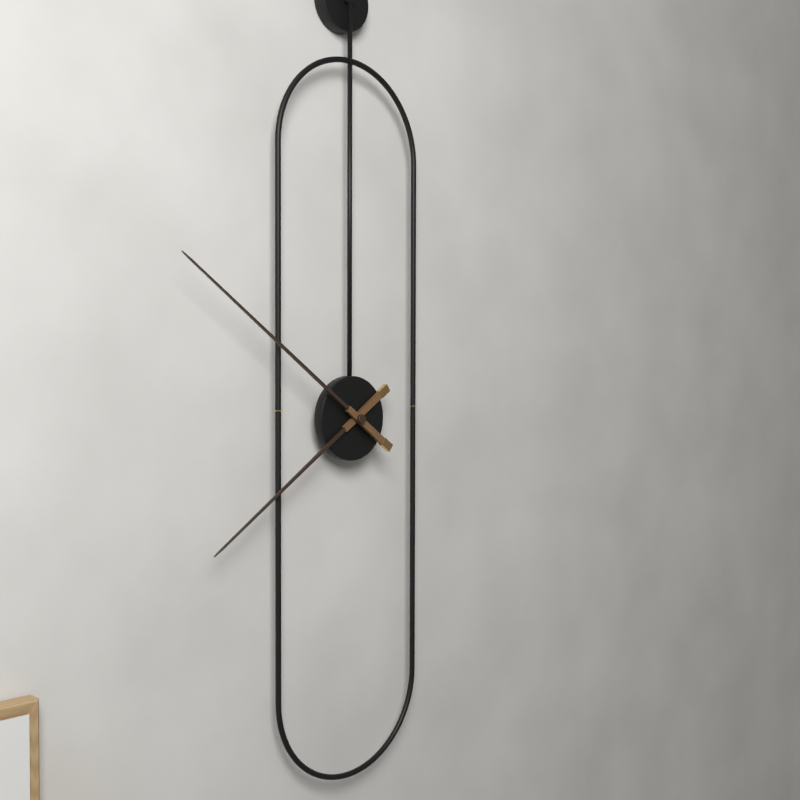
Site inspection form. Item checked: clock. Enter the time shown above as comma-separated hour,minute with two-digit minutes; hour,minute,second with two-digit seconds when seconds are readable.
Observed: 7,51
